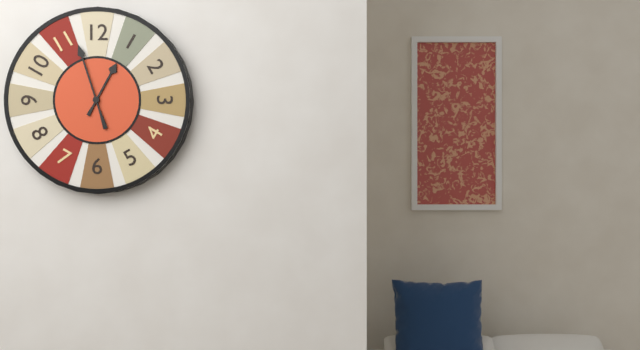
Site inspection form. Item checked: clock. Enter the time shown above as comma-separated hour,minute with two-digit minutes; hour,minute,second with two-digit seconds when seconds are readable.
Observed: 12,57
